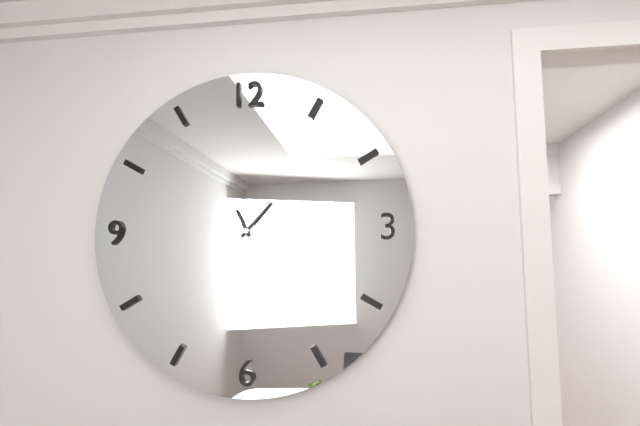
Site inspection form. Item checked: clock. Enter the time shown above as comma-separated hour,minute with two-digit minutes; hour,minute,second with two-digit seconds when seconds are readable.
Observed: 11,07
